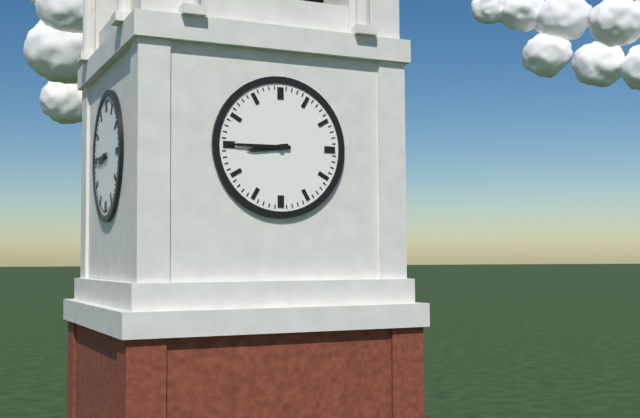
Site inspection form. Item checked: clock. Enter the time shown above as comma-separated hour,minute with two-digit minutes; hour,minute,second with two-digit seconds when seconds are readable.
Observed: 8,45
